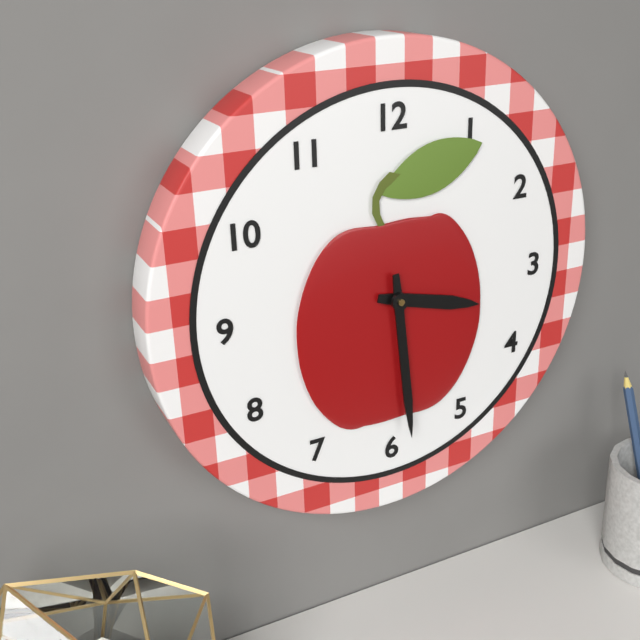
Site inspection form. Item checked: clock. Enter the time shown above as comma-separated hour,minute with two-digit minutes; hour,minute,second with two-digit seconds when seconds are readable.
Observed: 3,29
